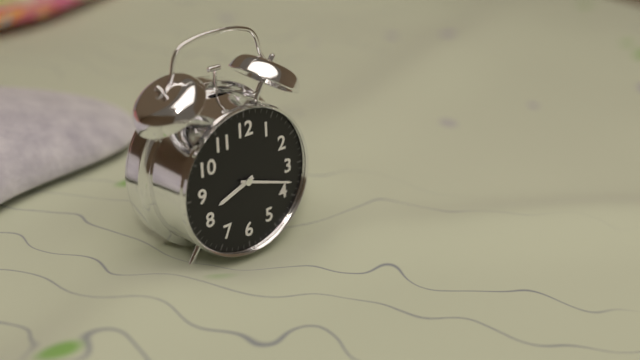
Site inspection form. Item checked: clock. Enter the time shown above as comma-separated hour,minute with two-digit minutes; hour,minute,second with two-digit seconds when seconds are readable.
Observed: 8,18
